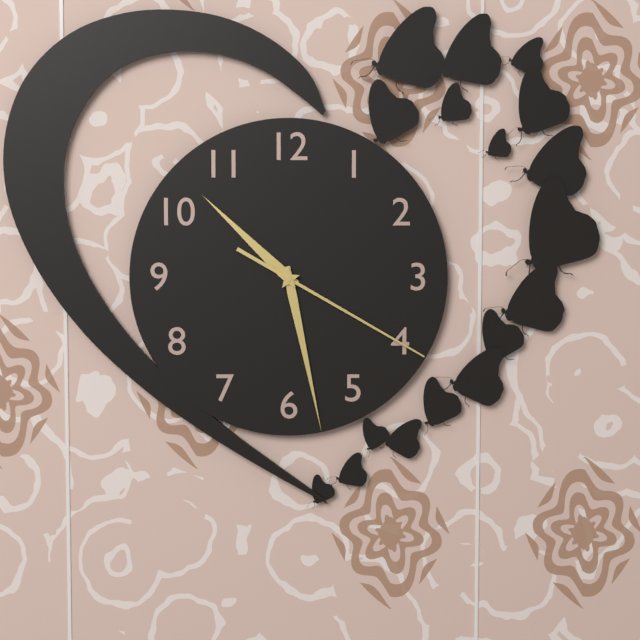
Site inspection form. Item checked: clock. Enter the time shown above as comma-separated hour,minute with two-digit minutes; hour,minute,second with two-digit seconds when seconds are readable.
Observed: 10,28,20
